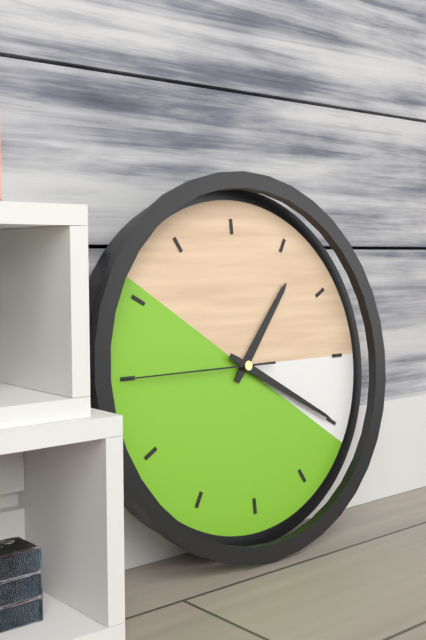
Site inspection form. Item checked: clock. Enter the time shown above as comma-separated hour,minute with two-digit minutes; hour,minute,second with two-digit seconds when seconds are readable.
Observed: 1,20,45
